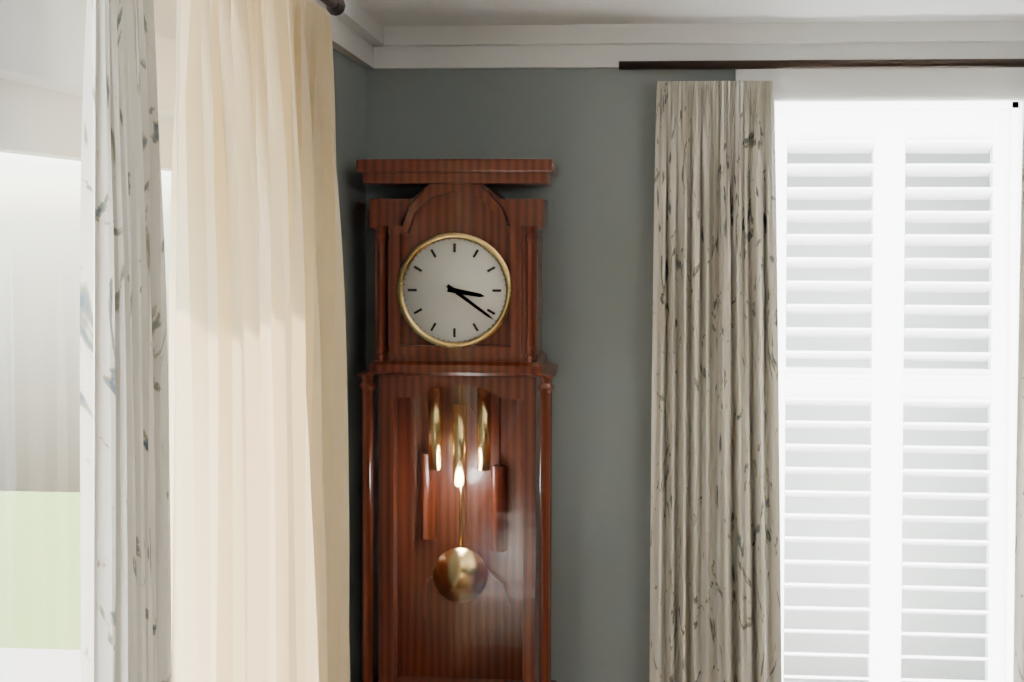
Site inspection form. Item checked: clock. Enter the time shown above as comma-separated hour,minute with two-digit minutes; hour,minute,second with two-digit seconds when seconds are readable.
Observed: 3,21
